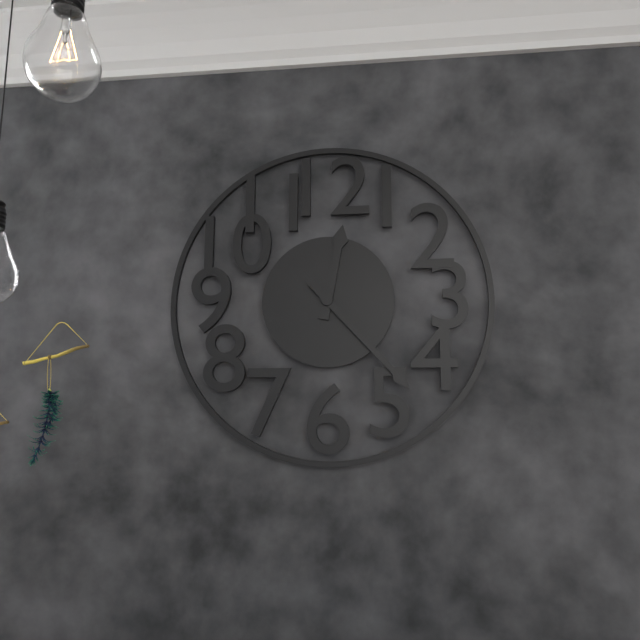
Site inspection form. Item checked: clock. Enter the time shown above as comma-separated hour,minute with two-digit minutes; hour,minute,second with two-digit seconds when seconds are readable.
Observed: 12,23
